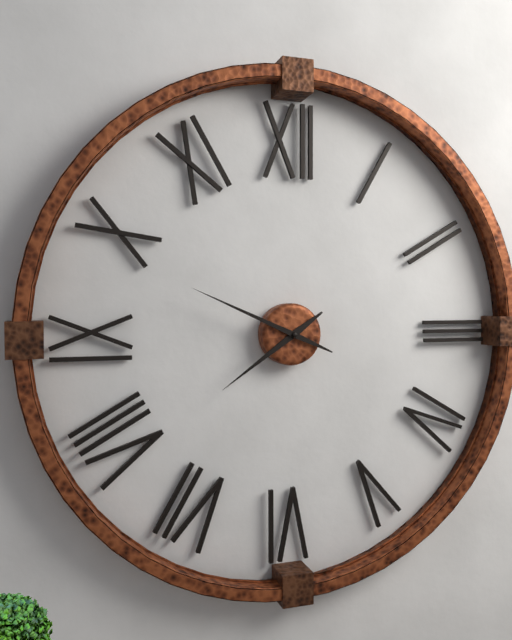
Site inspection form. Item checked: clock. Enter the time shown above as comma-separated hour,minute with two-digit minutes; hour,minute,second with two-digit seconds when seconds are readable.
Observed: 7,49
